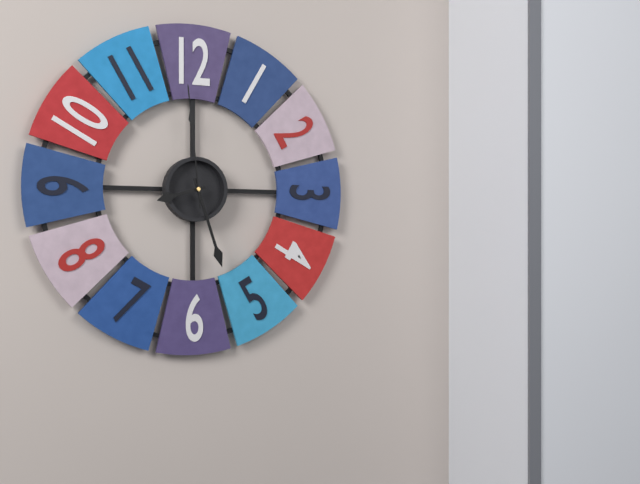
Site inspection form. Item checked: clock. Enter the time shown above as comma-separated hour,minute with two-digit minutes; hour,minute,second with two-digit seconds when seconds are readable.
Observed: 8,27,59
